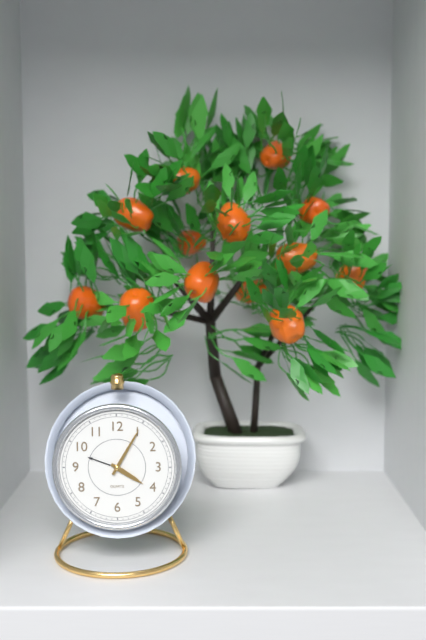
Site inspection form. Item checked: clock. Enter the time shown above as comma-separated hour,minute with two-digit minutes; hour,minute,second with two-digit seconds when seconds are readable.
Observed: 4,05
